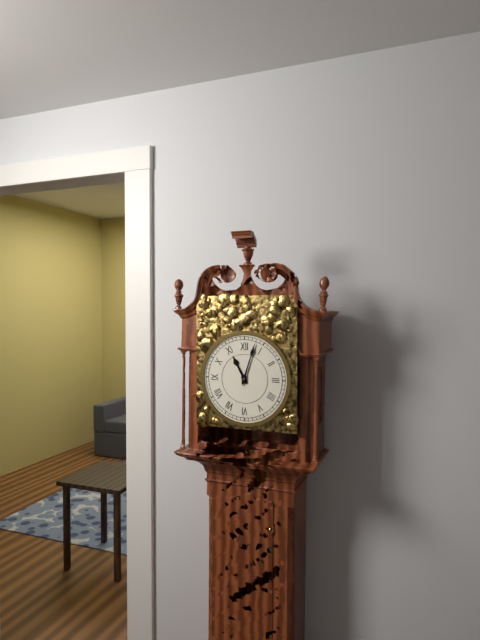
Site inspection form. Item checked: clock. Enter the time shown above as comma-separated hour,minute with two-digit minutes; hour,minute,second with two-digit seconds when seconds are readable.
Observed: 11,03
